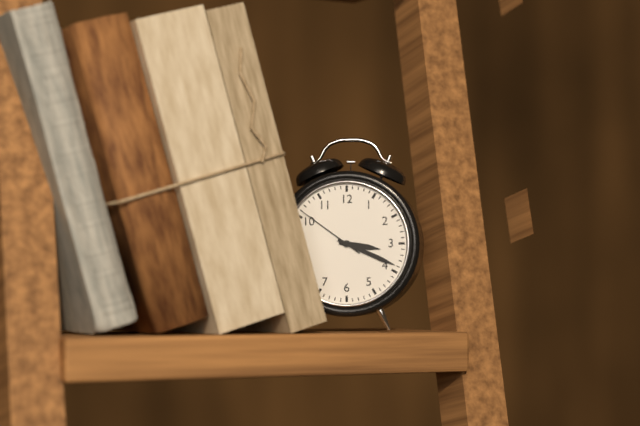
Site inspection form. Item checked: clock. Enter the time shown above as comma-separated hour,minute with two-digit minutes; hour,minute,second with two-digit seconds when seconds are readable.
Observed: 3,19,51
